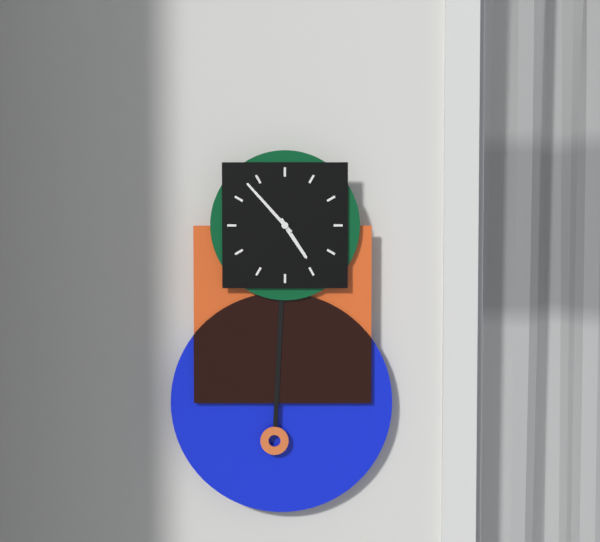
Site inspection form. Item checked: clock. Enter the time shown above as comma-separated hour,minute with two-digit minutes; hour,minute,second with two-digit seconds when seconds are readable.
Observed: 4,53
